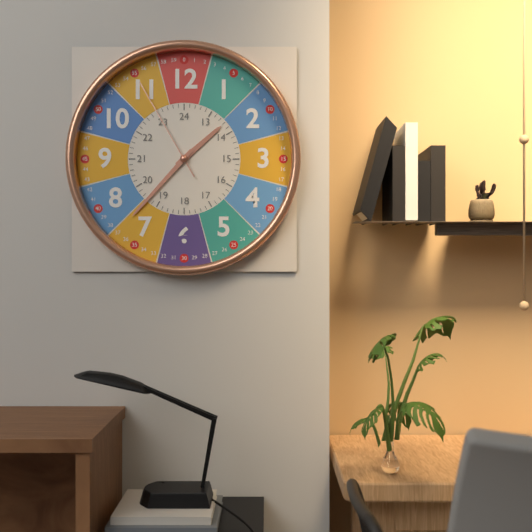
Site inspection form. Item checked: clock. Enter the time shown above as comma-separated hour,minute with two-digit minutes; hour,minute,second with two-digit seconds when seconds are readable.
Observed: 1,37,55
